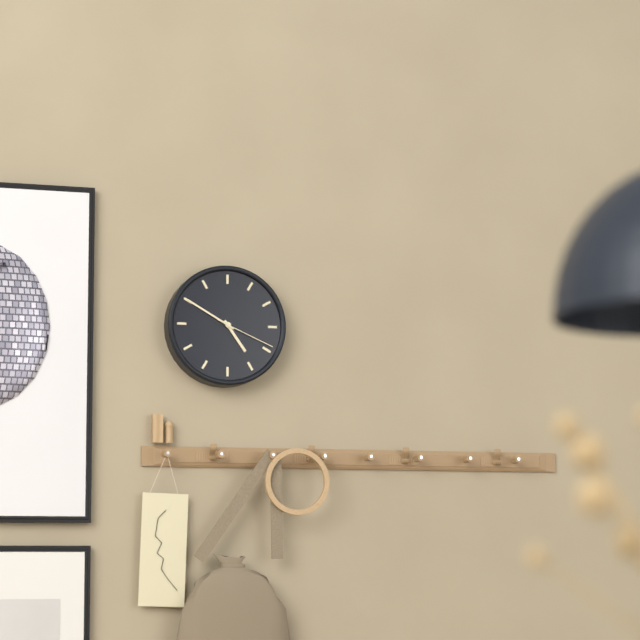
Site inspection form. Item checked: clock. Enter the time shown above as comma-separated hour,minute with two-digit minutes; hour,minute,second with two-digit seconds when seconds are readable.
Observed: 4,50,19
